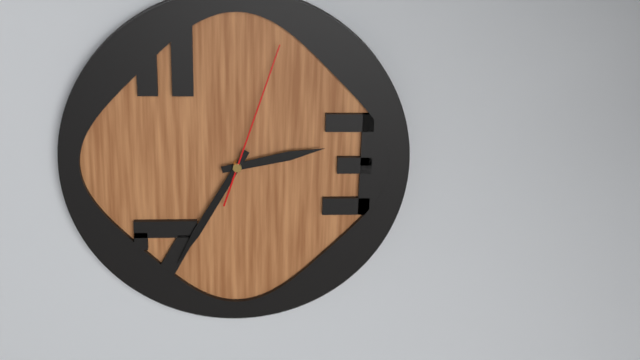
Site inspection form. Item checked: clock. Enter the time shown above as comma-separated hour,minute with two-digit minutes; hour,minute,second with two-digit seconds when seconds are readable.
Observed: 2,35,03
